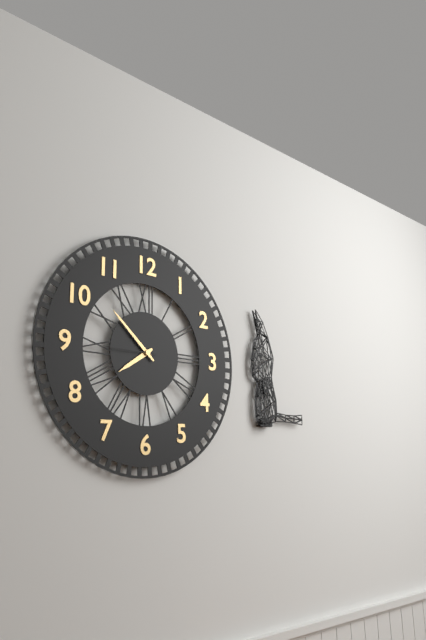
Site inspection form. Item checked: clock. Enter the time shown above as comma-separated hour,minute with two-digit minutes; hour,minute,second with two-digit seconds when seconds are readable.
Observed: 7,52
